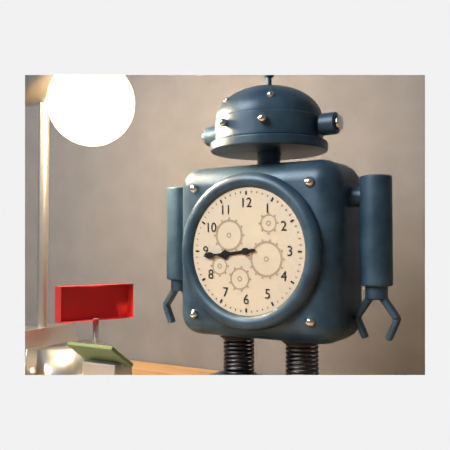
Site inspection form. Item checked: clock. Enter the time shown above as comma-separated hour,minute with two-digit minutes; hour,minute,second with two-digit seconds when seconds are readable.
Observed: 8,44
